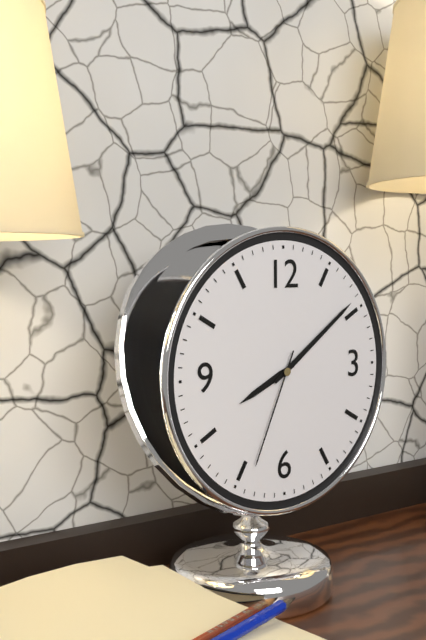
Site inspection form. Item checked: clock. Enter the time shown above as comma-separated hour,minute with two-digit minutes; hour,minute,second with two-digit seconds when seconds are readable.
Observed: 8,09,34
